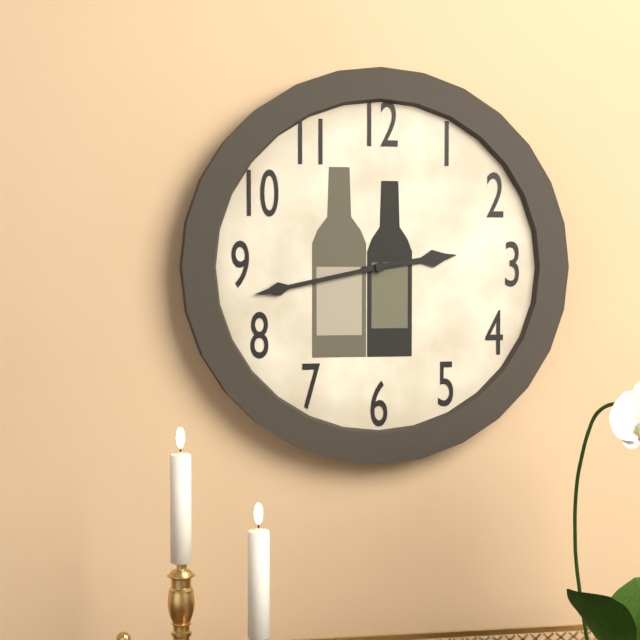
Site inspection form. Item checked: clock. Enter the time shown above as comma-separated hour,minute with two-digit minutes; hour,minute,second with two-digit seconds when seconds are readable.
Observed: 2,43
